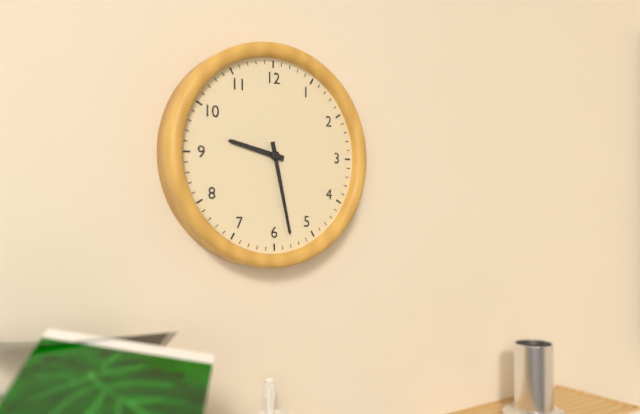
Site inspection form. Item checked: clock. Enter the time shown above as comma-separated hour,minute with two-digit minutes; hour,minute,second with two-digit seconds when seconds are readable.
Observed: 9,28
